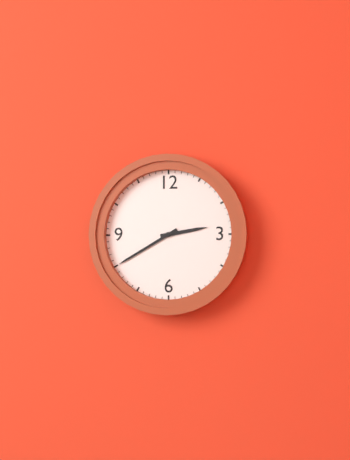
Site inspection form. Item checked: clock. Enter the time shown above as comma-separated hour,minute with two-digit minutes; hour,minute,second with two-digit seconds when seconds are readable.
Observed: 2,40
